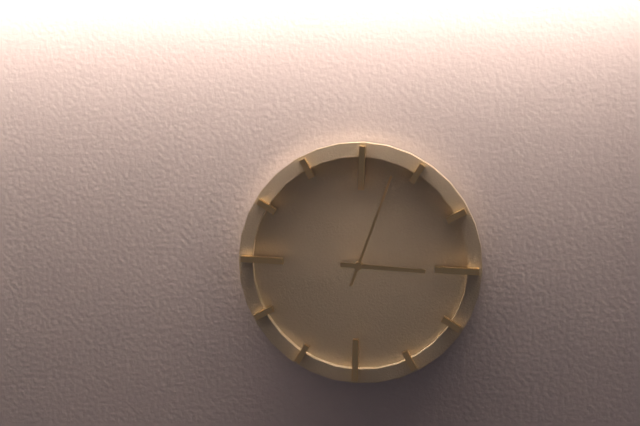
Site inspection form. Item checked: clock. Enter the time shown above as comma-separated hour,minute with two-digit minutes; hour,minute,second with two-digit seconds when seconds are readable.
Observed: 3,03
